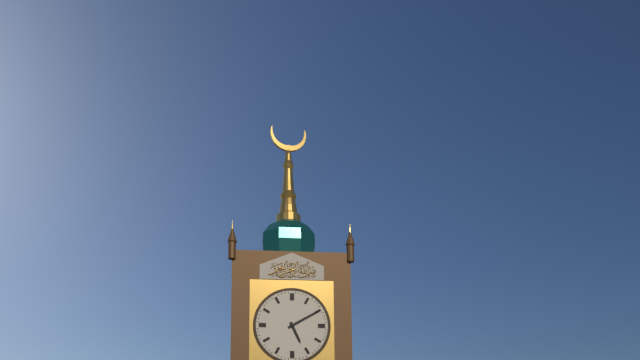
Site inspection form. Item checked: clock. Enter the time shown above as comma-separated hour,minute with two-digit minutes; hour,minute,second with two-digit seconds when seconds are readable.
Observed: 5,10
